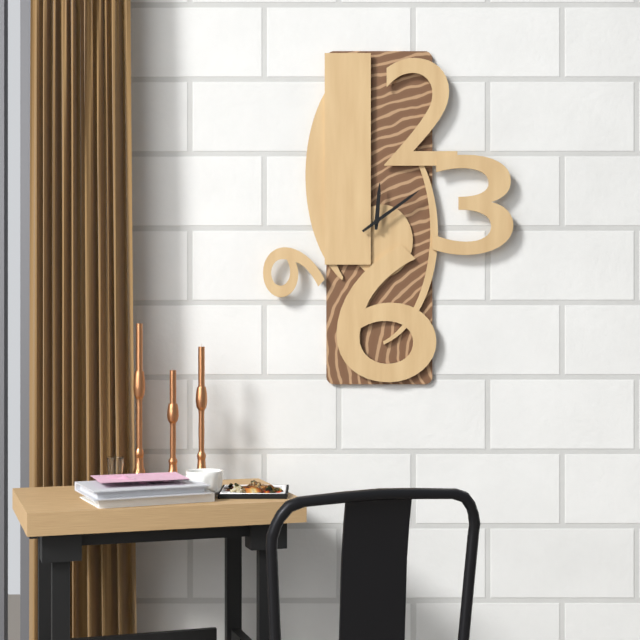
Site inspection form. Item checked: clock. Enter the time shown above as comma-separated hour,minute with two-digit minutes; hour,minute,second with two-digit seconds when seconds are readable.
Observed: 12,09
